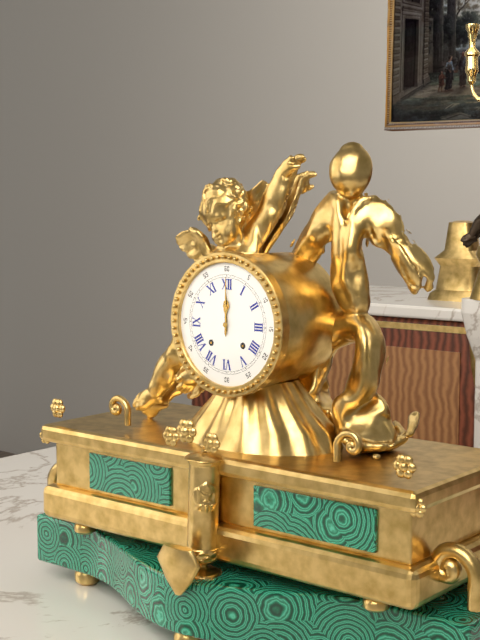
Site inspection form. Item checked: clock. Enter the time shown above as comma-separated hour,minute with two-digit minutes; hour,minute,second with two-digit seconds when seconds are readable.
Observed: 12,00
